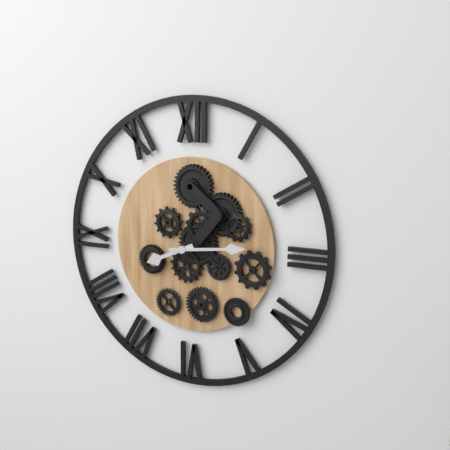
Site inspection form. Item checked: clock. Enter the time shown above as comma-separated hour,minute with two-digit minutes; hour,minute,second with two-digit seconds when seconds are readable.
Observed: 8,14
